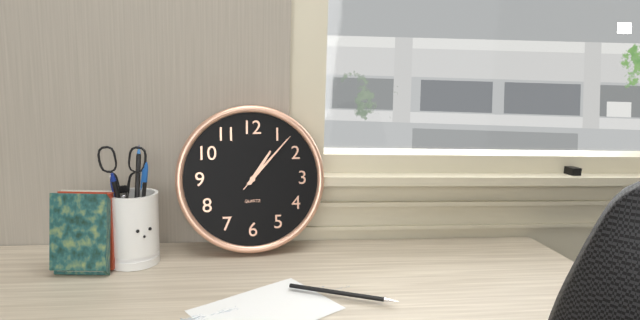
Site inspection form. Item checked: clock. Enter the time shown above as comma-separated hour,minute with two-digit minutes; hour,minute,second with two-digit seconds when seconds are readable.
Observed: 1,07,07
